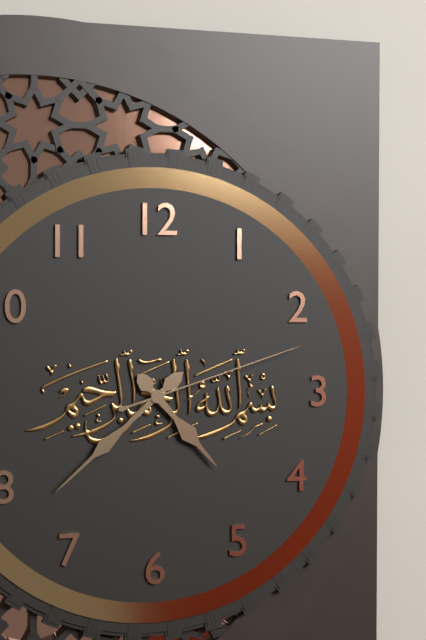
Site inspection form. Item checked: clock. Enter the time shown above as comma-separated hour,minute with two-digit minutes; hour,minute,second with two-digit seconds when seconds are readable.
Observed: 4,38,12
